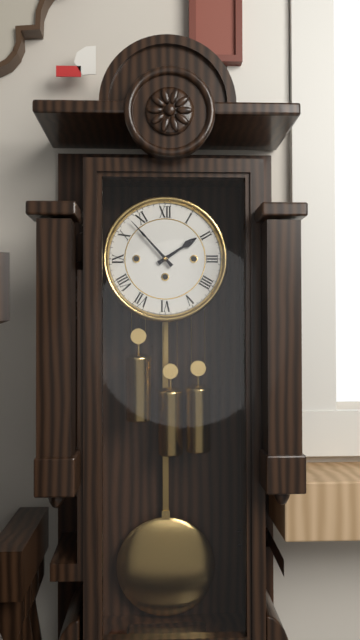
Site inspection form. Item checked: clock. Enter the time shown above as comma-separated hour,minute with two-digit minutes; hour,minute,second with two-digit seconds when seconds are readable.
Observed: 1,53
